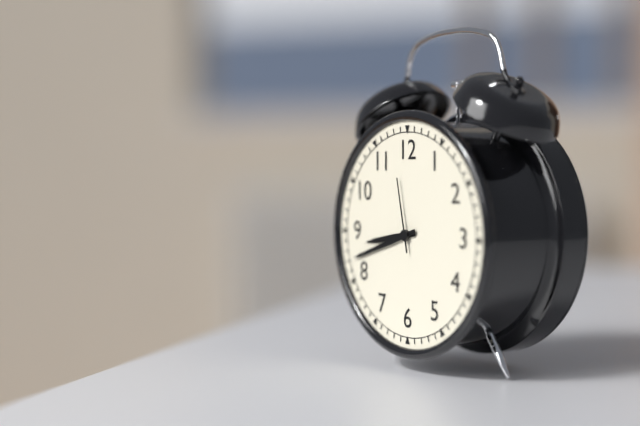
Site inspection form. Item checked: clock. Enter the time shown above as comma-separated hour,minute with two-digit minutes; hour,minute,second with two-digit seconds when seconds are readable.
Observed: 8,42,58
